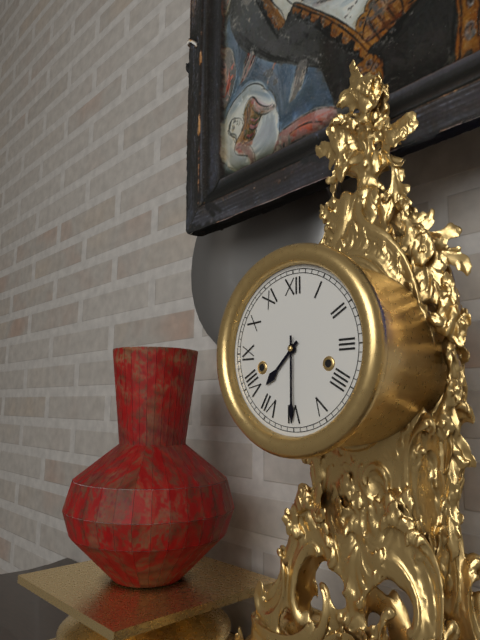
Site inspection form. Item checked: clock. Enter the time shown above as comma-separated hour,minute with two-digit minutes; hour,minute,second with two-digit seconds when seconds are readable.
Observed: 7,30
